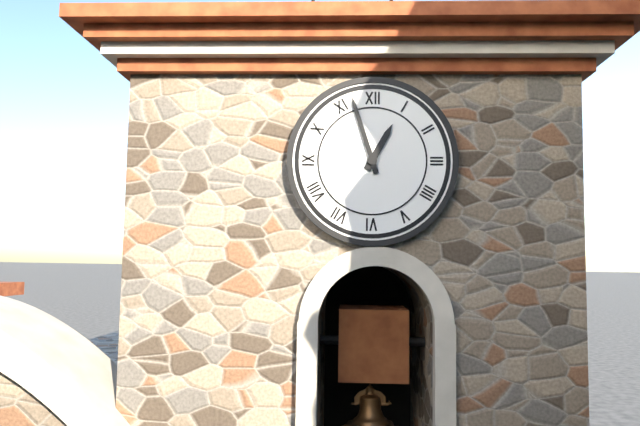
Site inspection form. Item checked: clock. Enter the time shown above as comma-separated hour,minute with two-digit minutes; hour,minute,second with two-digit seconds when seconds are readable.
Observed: 12,57
